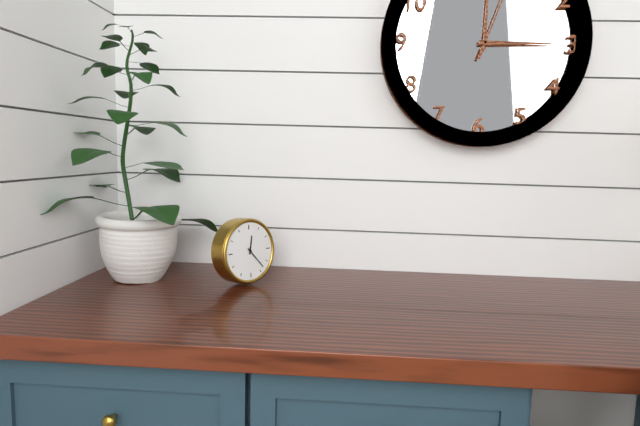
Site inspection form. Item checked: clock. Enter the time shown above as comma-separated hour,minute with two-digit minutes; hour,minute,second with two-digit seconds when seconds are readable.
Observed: 12,23
